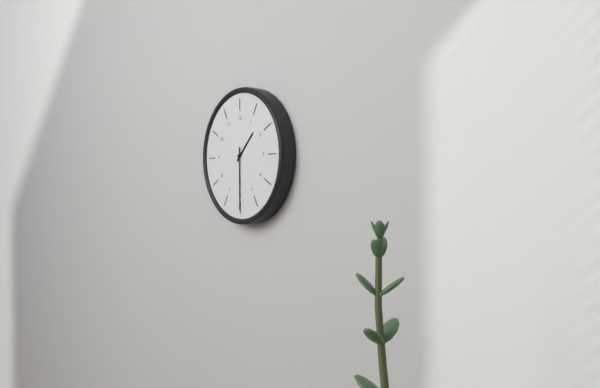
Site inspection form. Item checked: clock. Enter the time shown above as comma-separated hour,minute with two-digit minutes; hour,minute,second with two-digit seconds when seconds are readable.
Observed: 1,30
